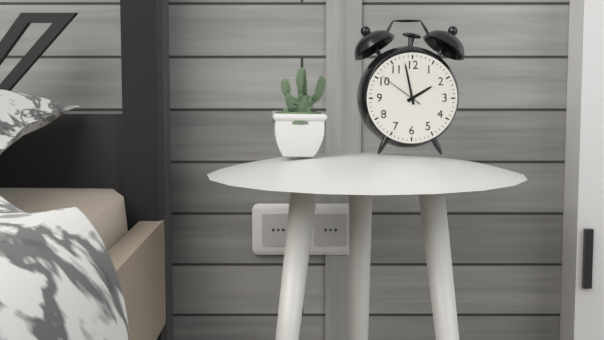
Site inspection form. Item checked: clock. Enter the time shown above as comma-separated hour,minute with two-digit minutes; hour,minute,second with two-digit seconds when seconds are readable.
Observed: 1,58
